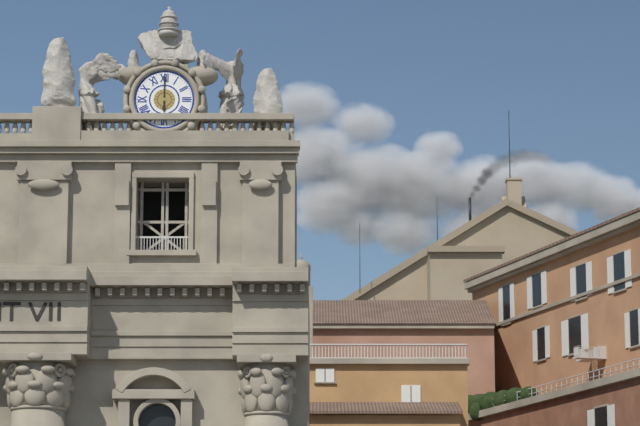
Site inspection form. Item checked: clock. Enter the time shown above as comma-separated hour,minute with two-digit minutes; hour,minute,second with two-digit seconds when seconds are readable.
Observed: 6,00
